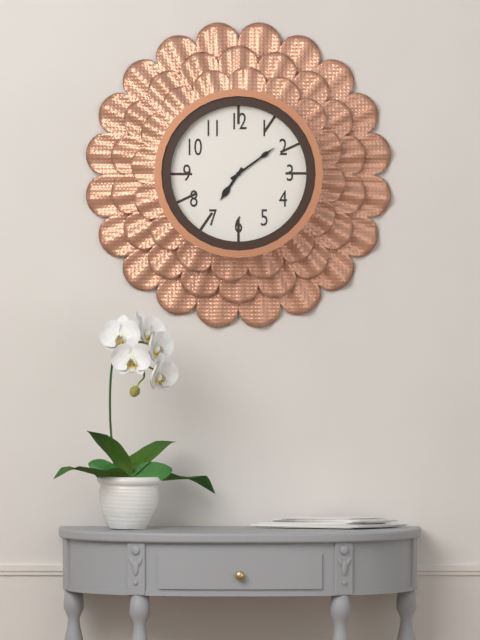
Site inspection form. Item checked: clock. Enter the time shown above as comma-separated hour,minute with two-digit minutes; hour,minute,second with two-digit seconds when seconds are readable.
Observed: 7,09
